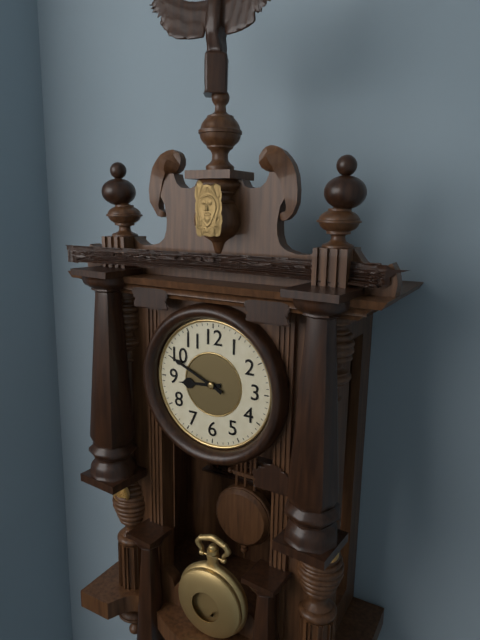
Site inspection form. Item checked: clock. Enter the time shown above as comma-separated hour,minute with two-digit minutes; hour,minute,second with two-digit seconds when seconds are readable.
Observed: 8,49
